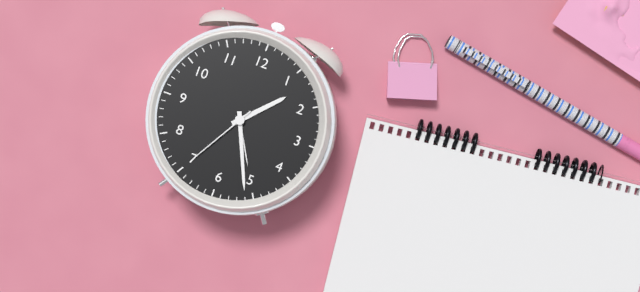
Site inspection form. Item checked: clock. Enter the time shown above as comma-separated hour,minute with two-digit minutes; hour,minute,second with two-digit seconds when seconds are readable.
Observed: 1,26,35
